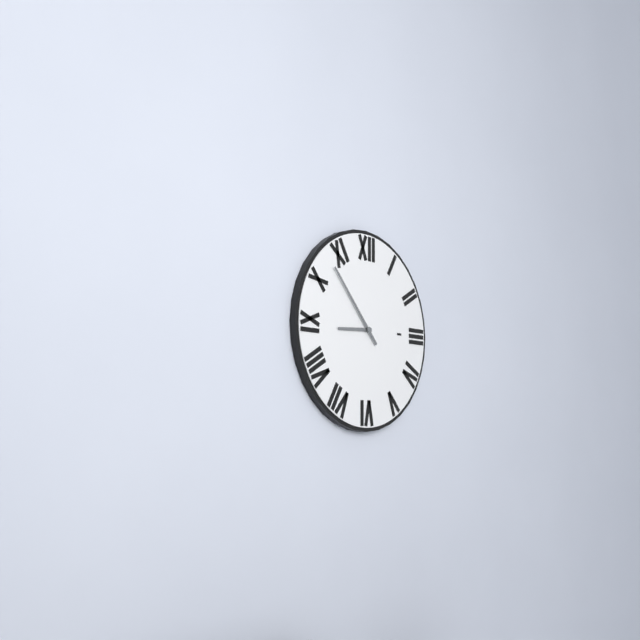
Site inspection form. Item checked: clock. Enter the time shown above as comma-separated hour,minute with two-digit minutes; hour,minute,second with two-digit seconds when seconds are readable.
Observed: 8,53
